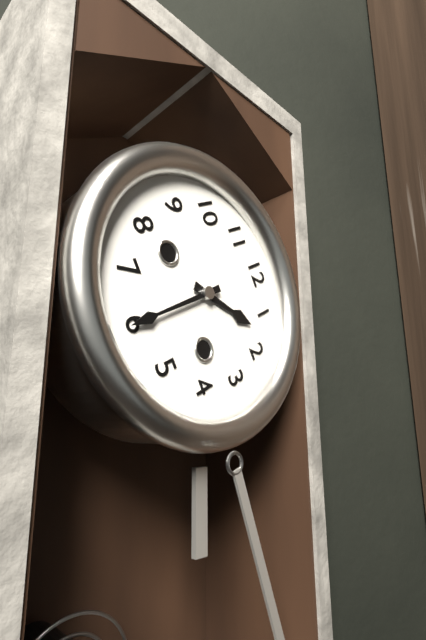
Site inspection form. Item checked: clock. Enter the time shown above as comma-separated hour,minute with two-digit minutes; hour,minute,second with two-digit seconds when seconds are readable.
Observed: 1,30
